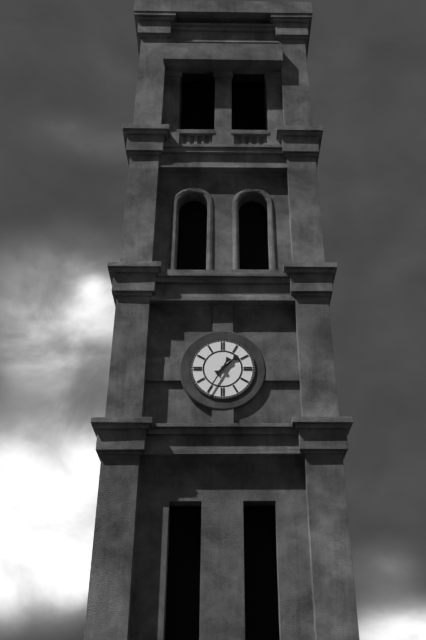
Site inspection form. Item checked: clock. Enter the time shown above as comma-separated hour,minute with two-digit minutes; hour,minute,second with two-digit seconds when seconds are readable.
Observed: 1,35
